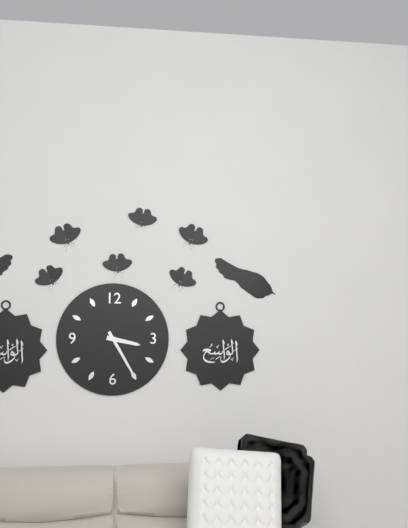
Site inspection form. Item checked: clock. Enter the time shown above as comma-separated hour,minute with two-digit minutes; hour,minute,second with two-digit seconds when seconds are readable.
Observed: 3,25
